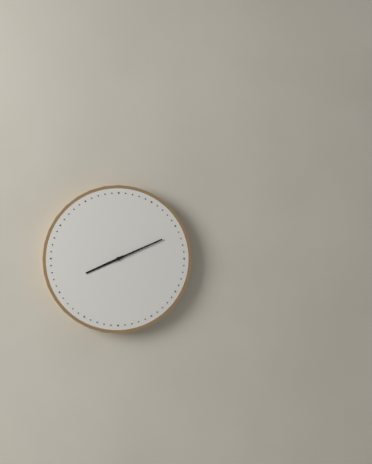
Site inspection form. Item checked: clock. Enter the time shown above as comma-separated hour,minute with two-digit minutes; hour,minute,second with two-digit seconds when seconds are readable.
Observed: 8,11
